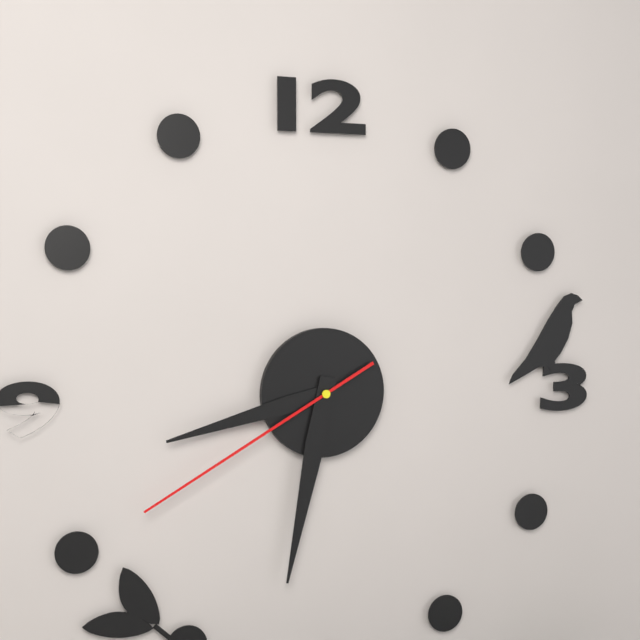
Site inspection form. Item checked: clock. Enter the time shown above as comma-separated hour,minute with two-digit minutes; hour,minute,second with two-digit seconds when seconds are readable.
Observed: 8,32,40
